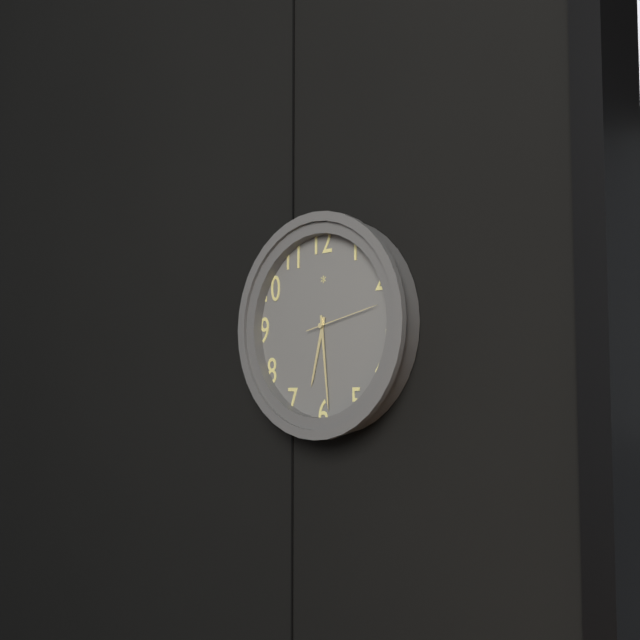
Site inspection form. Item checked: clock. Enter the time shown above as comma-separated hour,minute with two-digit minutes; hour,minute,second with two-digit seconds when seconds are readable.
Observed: 6,29,13
